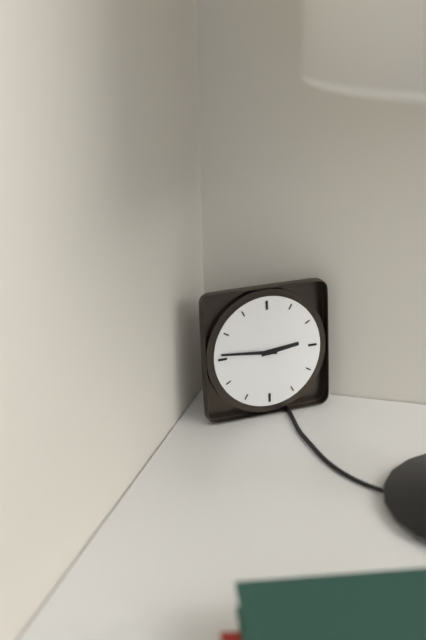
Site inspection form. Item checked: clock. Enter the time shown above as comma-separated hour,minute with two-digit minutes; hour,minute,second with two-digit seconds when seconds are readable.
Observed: 2,46
